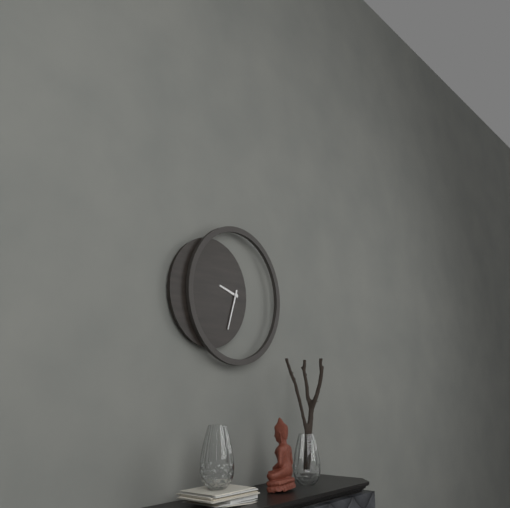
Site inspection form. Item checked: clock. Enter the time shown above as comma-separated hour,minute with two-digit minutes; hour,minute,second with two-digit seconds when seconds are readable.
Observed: 9,33
